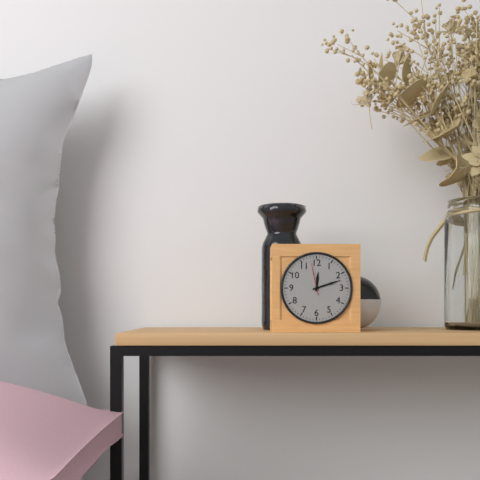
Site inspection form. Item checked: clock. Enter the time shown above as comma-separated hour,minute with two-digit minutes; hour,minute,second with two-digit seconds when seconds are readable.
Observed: 12,12
